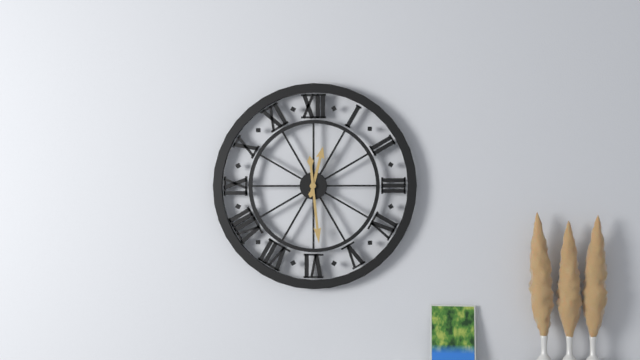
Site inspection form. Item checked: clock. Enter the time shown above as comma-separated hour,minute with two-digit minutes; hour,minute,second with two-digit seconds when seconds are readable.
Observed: 12,29
